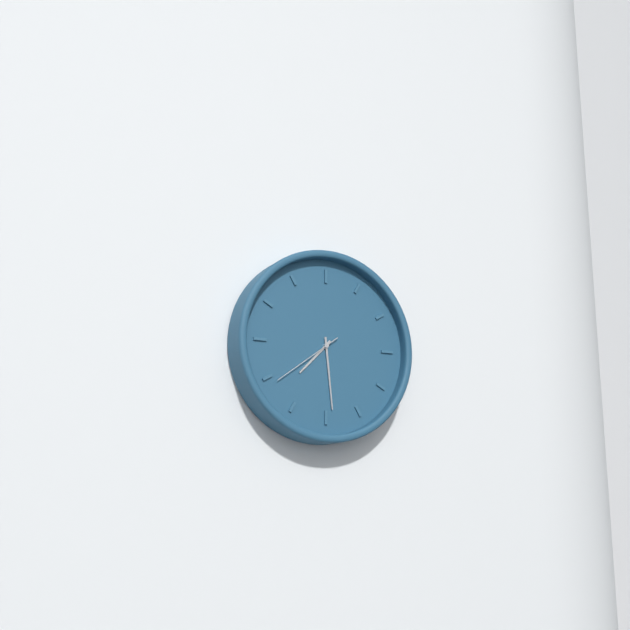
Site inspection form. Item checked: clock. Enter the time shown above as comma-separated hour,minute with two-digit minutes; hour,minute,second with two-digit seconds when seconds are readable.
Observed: 7,29,39
